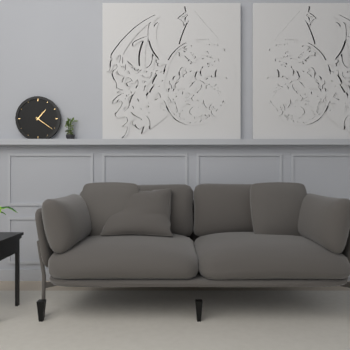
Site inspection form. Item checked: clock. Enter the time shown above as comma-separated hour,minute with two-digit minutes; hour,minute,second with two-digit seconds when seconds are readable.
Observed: 1,21
